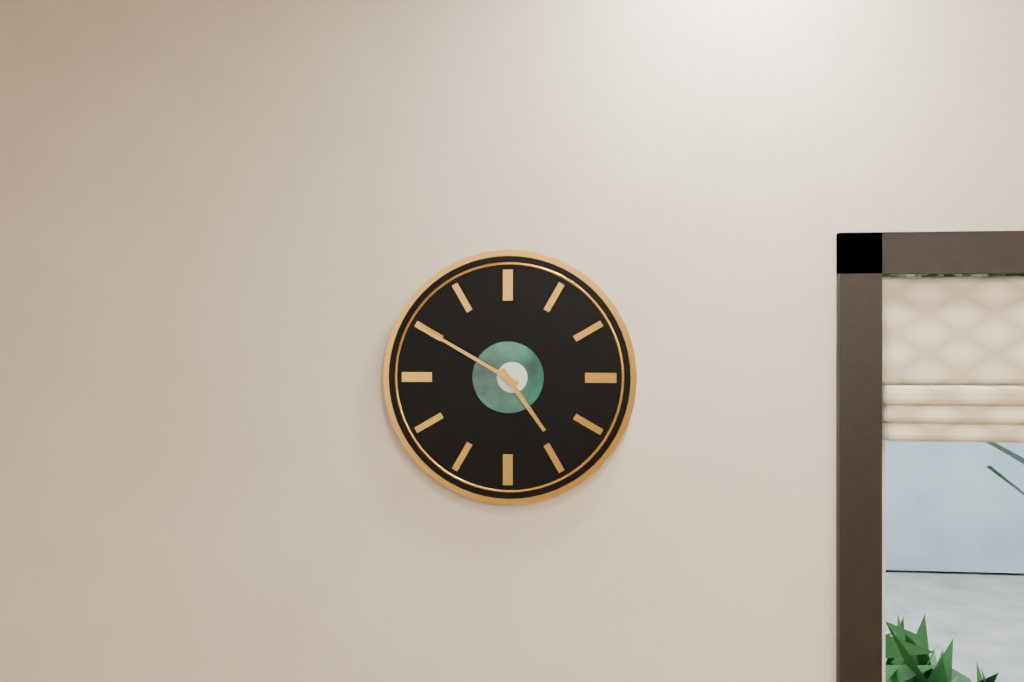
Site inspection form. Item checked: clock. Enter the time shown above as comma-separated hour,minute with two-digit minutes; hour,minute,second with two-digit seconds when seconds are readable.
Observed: 4,50
